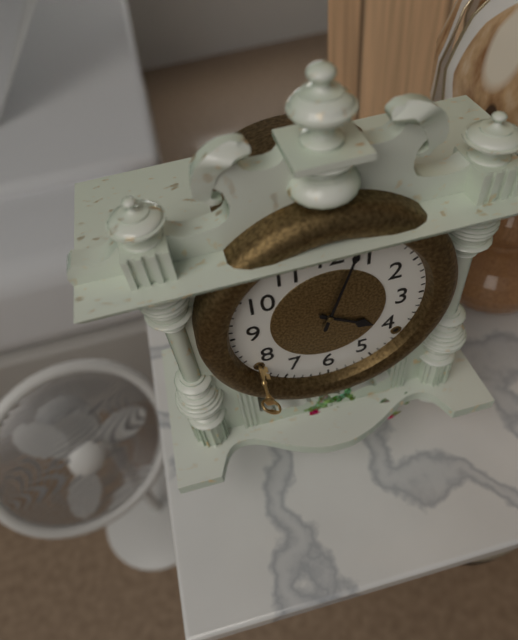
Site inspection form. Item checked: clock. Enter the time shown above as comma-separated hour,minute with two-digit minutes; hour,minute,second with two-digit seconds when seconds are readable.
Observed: 4,03
